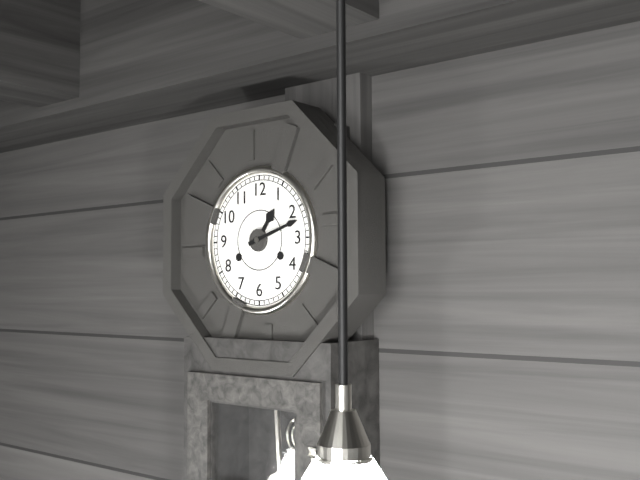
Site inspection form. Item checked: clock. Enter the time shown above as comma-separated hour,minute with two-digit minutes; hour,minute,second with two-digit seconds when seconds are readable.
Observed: 1,12
